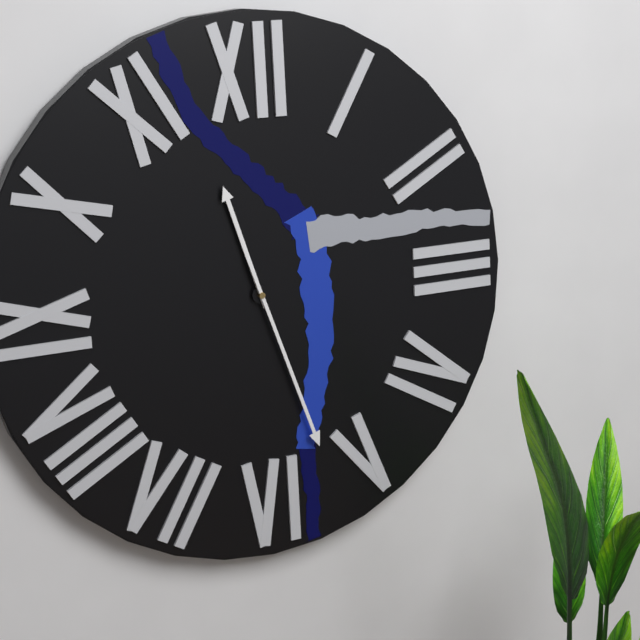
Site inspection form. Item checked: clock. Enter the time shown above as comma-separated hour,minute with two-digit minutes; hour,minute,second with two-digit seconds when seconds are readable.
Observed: 11,27
